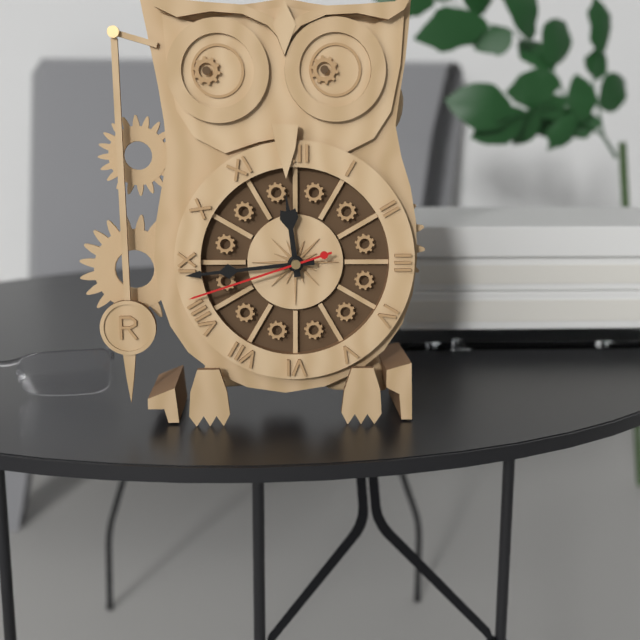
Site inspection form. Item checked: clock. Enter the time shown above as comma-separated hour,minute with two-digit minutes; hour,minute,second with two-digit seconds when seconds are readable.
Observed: 11,44,42
